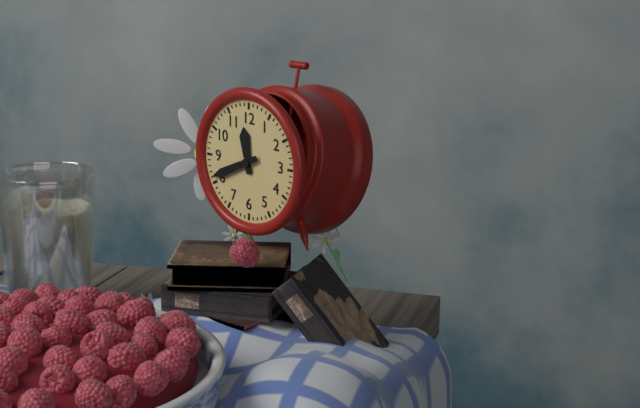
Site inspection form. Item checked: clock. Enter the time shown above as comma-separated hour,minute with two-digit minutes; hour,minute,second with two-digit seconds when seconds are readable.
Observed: 11,41
